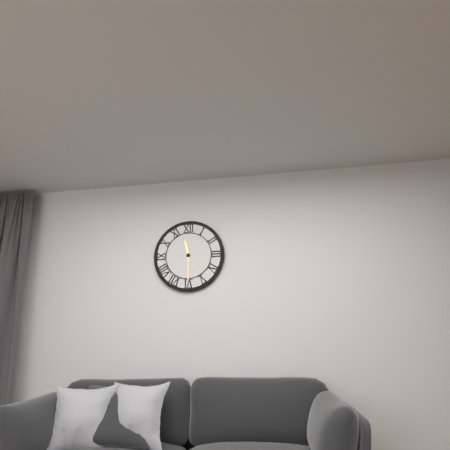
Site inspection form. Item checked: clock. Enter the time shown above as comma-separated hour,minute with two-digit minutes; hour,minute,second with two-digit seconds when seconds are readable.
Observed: 11,30
